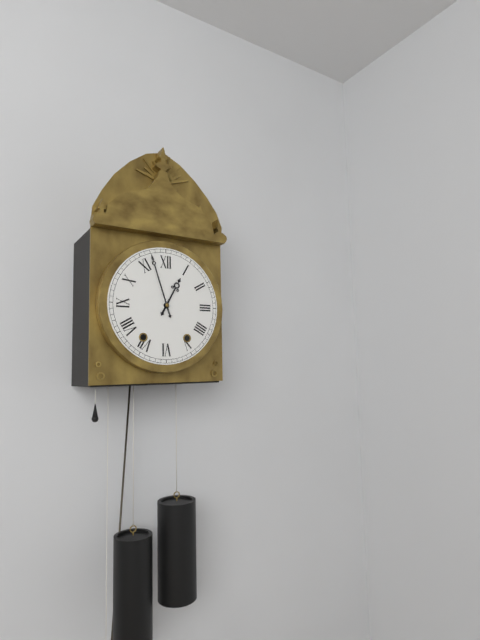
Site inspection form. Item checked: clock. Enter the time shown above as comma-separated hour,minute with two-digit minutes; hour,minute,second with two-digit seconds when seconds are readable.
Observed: 12,57
